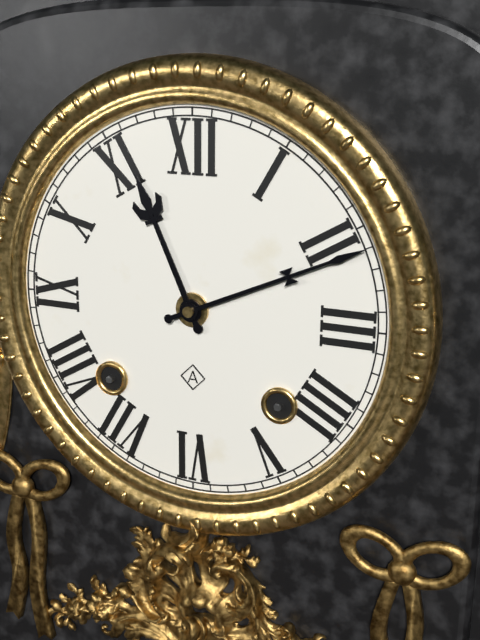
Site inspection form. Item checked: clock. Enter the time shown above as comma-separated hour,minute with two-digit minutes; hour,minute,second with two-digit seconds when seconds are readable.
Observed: 11,11
